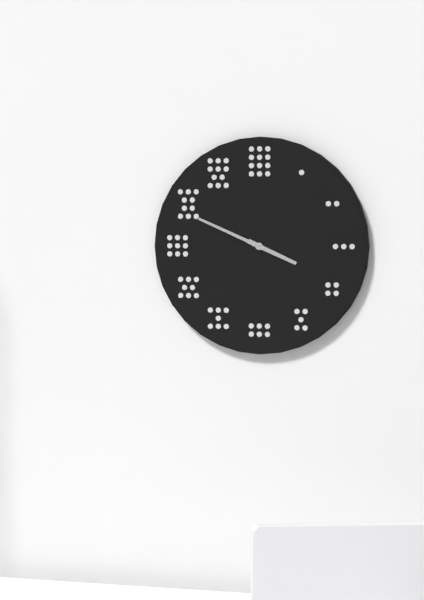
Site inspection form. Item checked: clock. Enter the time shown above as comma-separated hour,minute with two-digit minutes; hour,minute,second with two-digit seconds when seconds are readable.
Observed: 3,49
